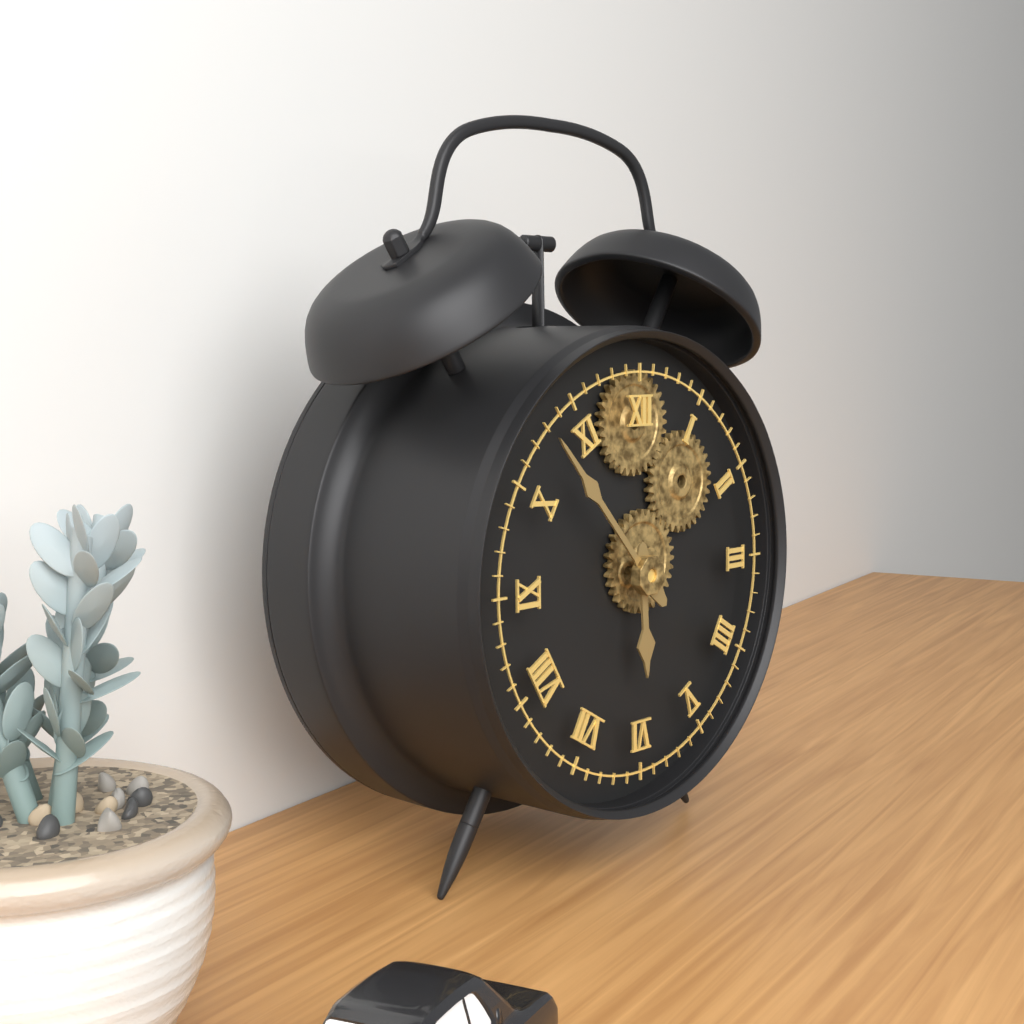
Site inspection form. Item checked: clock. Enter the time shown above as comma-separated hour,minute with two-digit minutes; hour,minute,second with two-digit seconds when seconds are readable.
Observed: 5,53
